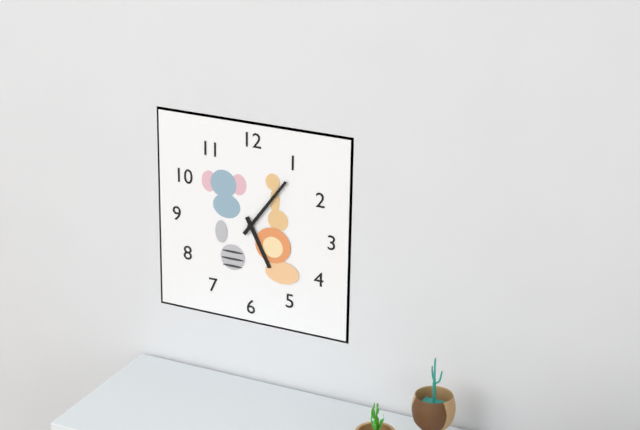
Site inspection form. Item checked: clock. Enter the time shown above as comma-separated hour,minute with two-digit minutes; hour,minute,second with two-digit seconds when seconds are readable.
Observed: 5,06
